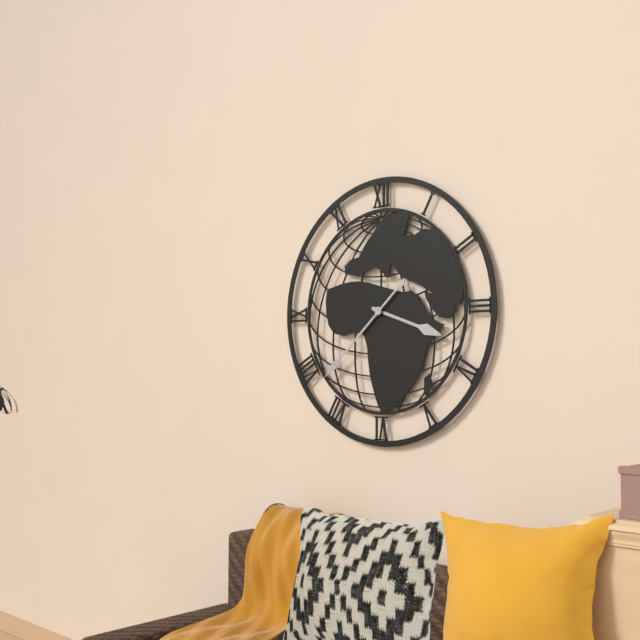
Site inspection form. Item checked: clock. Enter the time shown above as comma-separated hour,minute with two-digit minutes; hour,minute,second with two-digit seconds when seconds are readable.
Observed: 3,38
